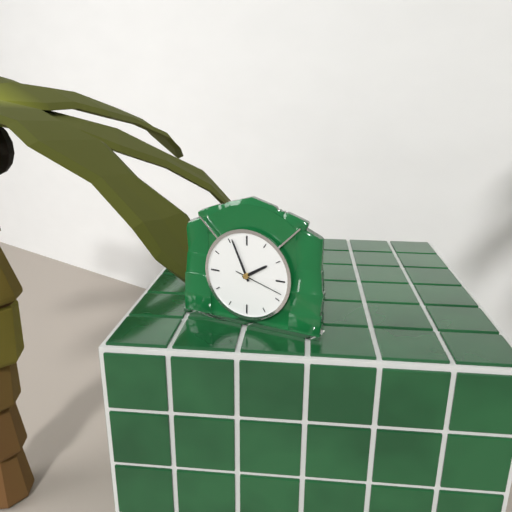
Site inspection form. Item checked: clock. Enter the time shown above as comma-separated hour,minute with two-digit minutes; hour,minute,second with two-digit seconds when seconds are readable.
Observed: 1,56
